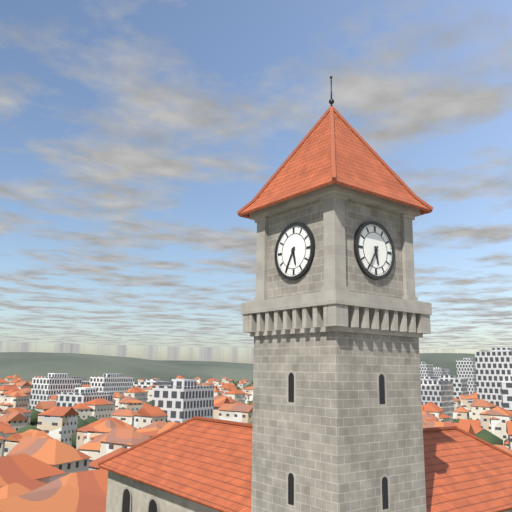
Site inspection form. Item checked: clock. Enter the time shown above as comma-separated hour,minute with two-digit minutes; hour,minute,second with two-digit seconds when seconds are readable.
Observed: 5,35
